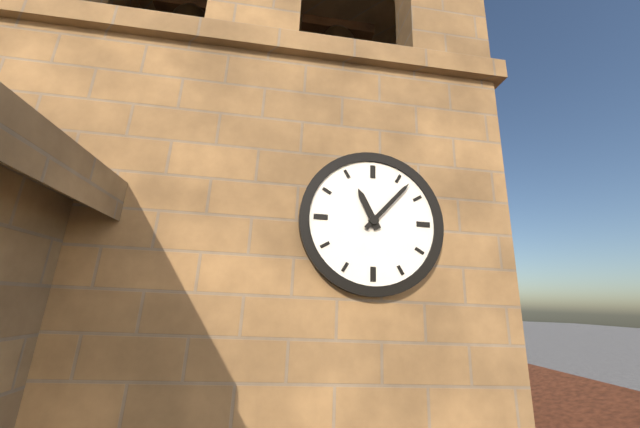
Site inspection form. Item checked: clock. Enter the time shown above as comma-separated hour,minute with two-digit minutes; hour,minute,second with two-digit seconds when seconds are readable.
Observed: 11,07
